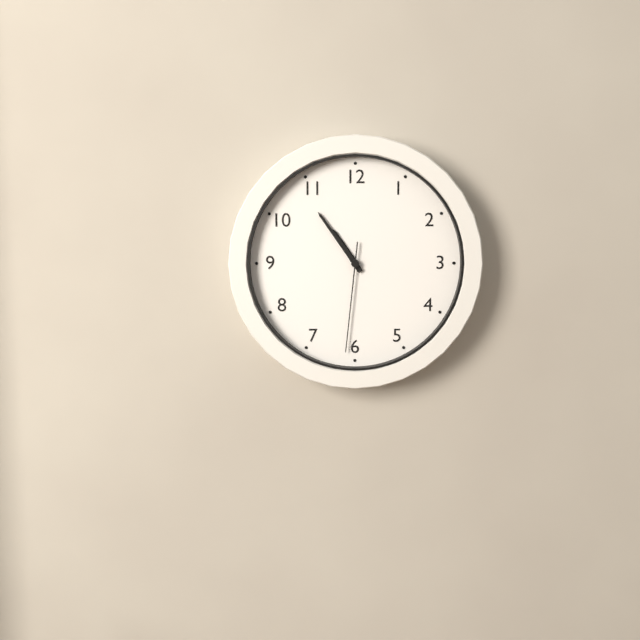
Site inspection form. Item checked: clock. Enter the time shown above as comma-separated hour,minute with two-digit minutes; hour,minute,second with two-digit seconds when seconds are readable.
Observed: 10,54,31
